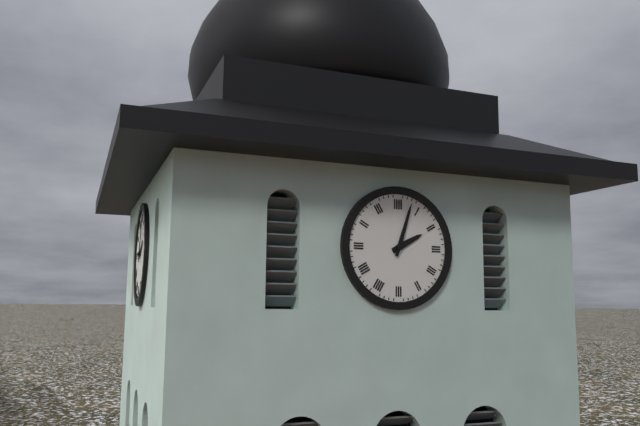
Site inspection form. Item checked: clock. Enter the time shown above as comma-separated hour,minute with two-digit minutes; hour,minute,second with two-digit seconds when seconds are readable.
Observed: 2,03
